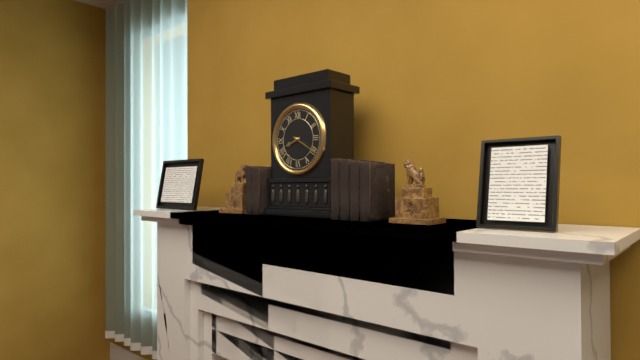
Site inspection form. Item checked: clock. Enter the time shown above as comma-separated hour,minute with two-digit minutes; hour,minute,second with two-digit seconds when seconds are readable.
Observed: 8,20
